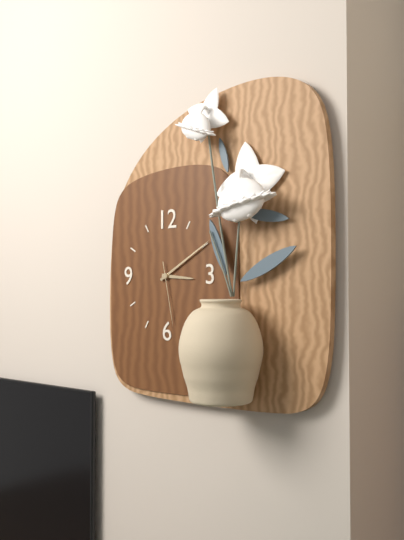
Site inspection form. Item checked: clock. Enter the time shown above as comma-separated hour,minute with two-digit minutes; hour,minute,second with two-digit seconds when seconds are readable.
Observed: 3,10,28
